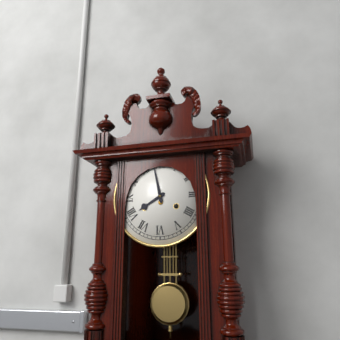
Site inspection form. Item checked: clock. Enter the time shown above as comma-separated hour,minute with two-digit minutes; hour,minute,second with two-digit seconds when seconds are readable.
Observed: 7,58
